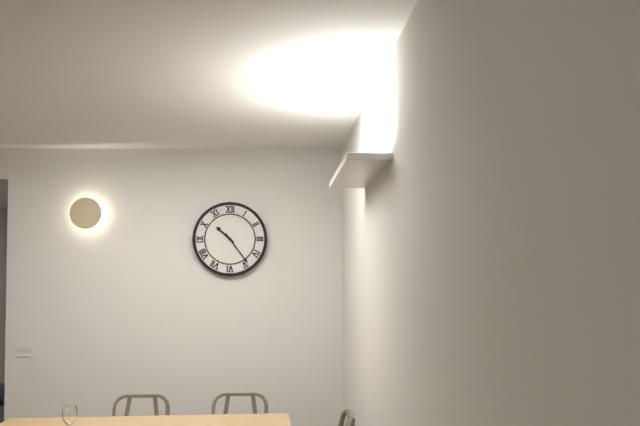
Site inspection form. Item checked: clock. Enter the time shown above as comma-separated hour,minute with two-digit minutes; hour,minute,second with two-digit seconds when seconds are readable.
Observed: 10,24
